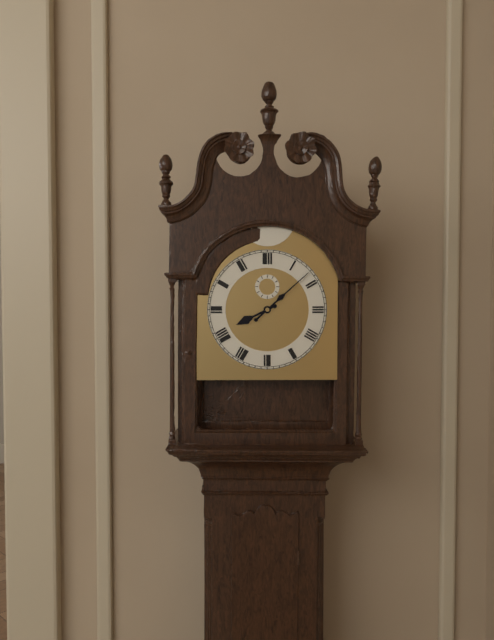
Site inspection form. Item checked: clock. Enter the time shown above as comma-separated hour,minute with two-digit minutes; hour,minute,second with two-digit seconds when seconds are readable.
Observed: 8,08
